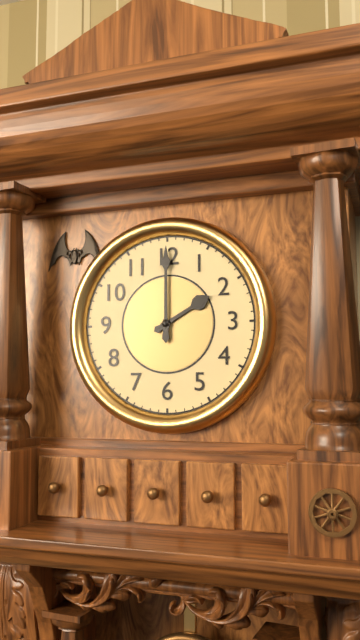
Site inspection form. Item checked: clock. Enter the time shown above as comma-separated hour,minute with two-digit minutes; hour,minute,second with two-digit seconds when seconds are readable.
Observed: 2,00
